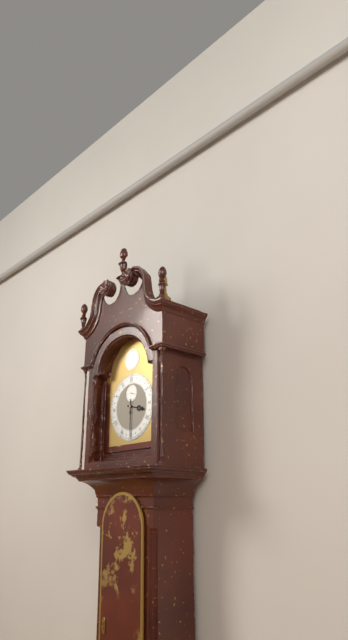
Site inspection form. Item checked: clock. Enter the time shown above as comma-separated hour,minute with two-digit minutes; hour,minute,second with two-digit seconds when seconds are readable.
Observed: 3,30
